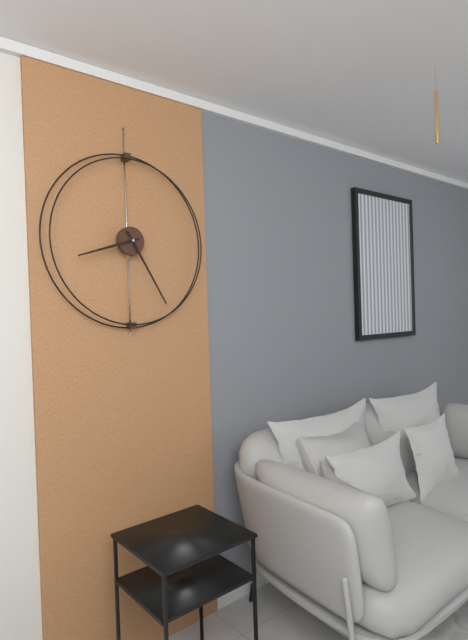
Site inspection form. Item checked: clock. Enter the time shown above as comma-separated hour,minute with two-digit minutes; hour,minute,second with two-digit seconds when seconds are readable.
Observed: 8,25
